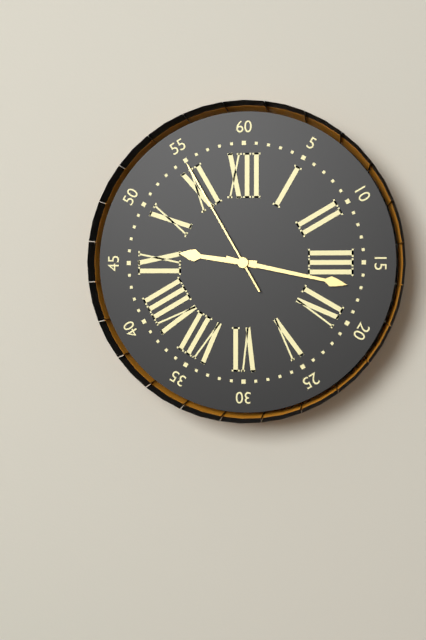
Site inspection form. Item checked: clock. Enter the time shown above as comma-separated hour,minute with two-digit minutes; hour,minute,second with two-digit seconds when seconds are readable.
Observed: 9,17,55
